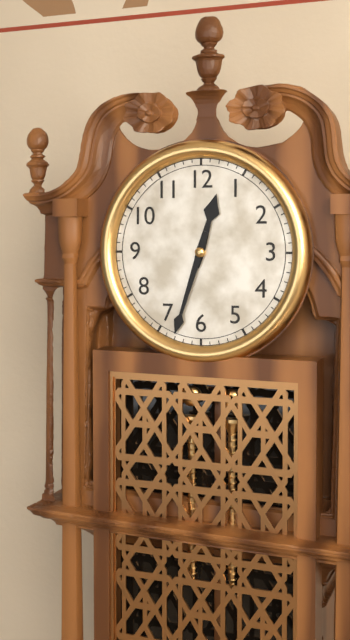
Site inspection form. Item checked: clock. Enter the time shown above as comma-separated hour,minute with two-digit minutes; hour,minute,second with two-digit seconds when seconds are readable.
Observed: 12,33
